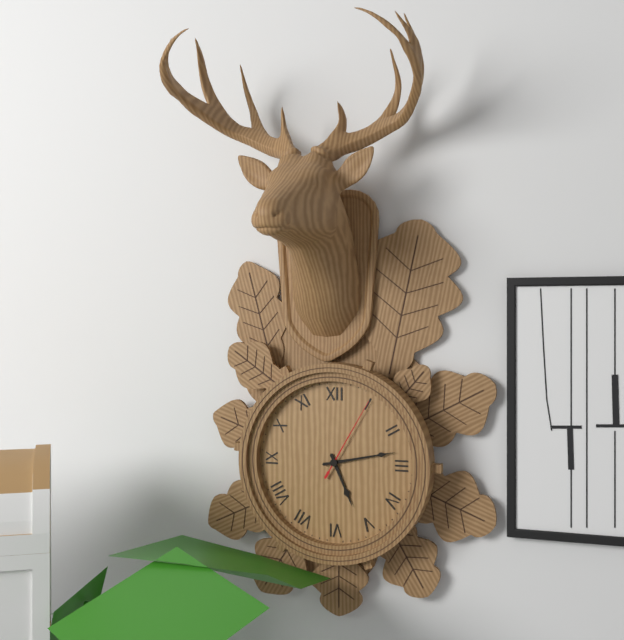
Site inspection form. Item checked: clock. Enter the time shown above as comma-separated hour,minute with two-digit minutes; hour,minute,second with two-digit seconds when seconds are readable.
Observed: 5,13,05
